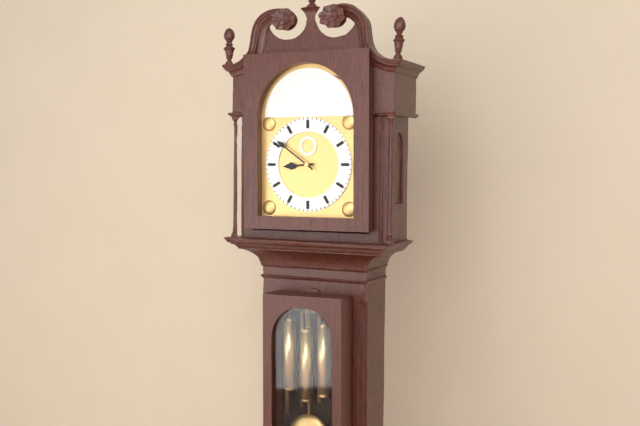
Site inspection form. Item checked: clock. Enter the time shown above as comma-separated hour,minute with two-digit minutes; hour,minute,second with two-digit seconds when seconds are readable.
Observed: 8,51
